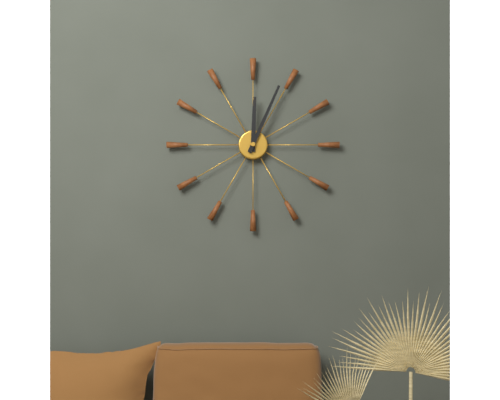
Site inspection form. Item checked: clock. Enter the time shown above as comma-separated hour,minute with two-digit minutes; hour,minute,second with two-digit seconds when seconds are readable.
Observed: 12,04
